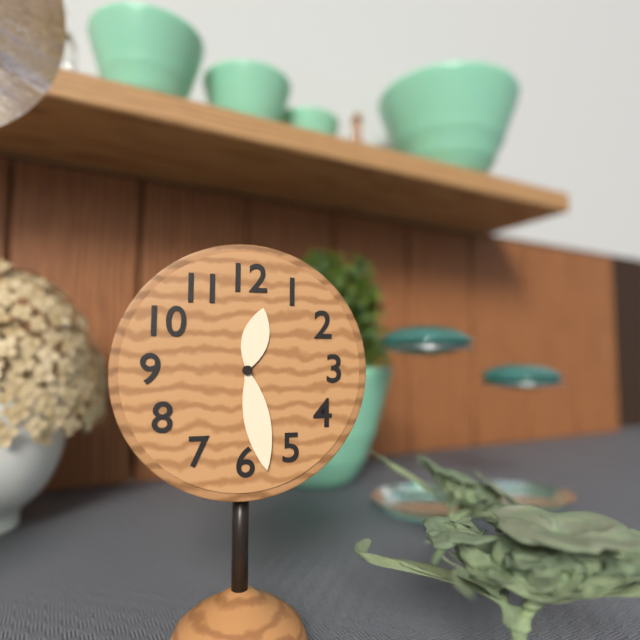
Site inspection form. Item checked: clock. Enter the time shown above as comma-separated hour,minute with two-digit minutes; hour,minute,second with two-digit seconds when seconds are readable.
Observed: 12,28
